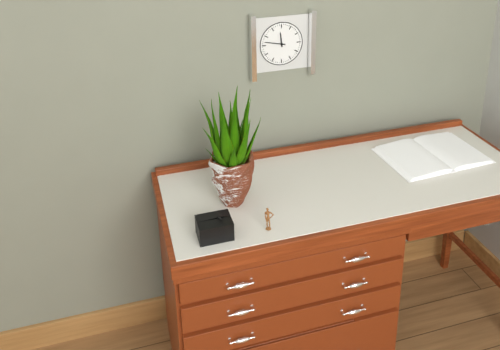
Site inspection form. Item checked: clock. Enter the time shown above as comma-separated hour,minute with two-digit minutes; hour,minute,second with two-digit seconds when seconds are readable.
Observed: 11,47
